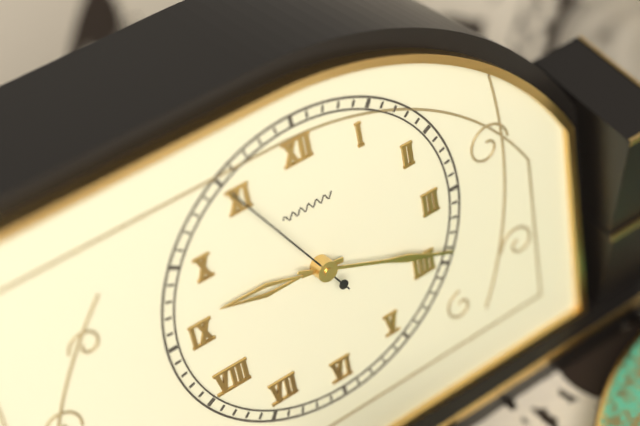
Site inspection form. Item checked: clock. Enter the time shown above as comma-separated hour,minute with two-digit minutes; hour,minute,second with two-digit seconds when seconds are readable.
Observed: 9,19,55
